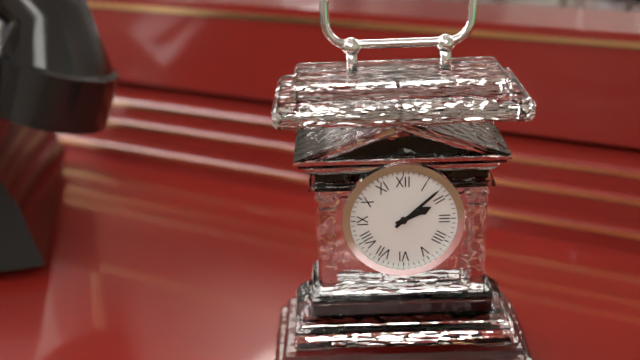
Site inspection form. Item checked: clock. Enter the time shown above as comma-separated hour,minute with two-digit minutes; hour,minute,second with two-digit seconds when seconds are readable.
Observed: 2,08
